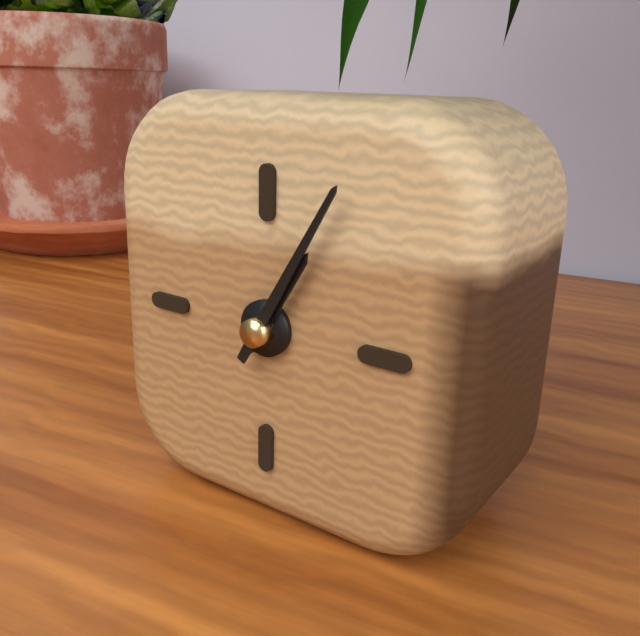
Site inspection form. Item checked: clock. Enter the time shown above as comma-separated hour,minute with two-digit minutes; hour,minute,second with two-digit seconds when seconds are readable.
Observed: 1,05
